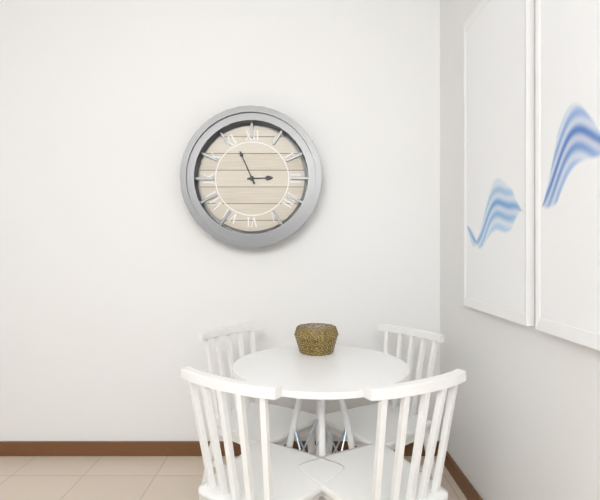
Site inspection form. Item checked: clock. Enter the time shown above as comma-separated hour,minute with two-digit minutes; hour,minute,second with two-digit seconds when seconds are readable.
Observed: 2,56
